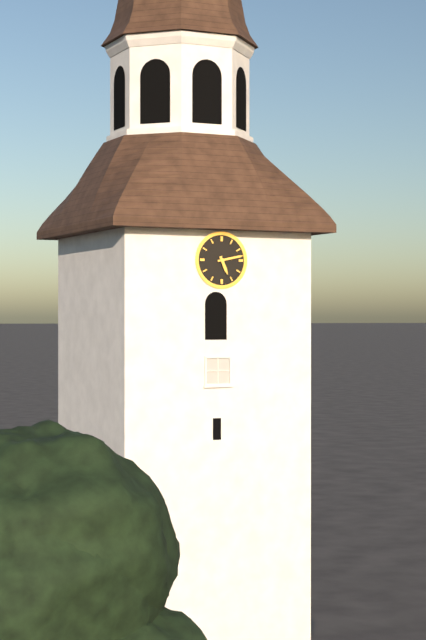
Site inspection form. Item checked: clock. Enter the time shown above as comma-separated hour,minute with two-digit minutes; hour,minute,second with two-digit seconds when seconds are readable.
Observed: 5,13
